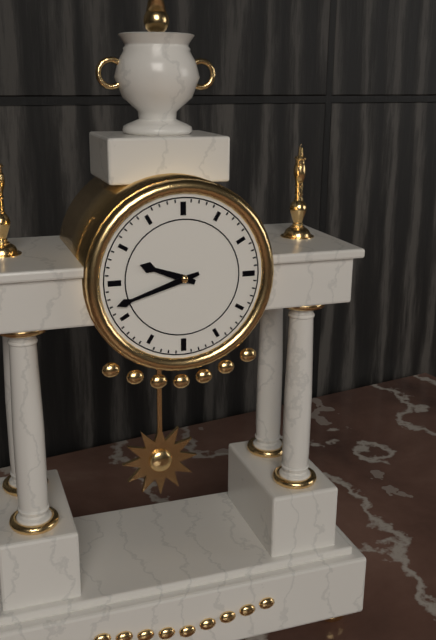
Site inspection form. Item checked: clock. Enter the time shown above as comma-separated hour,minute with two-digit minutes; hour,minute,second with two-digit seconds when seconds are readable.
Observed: 9,42
